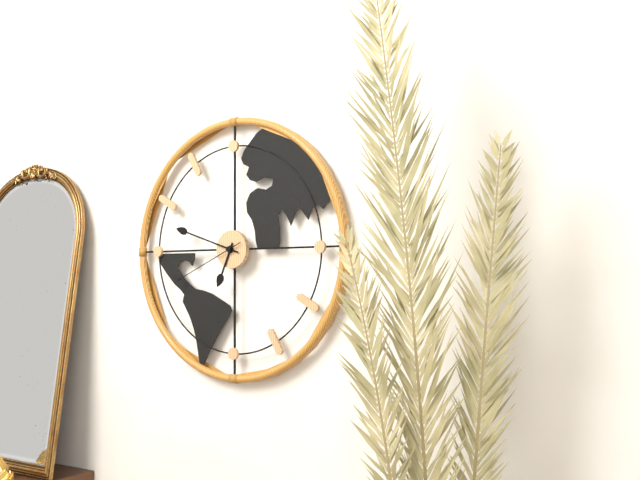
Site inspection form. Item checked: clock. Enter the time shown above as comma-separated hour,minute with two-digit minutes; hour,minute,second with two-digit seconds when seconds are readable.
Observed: 6,48,41
